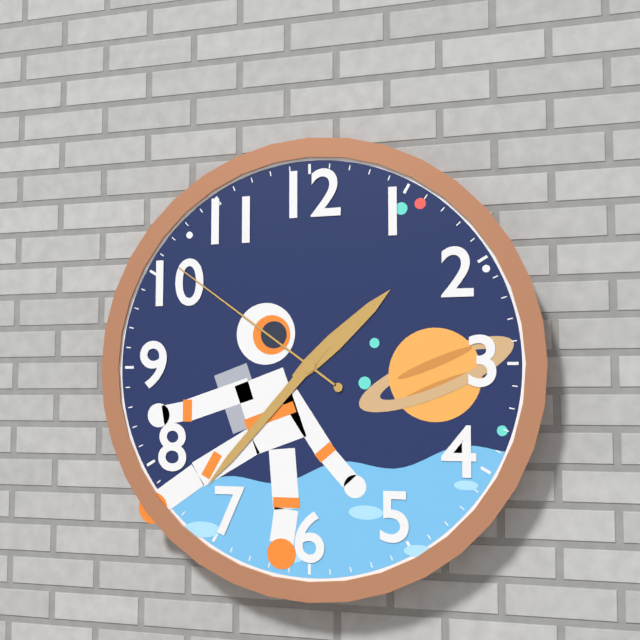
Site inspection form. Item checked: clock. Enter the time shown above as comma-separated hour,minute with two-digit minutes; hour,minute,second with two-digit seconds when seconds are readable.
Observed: 1,37,51
